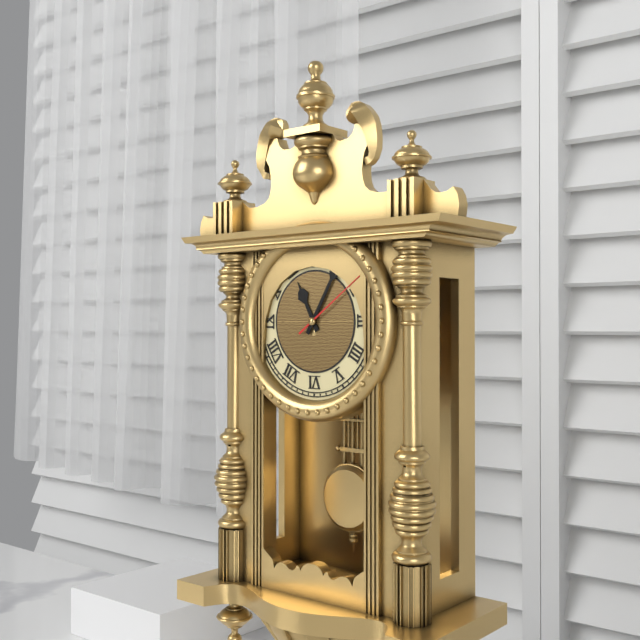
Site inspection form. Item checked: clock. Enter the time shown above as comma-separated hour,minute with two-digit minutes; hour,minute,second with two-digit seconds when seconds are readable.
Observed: 11,05,09
